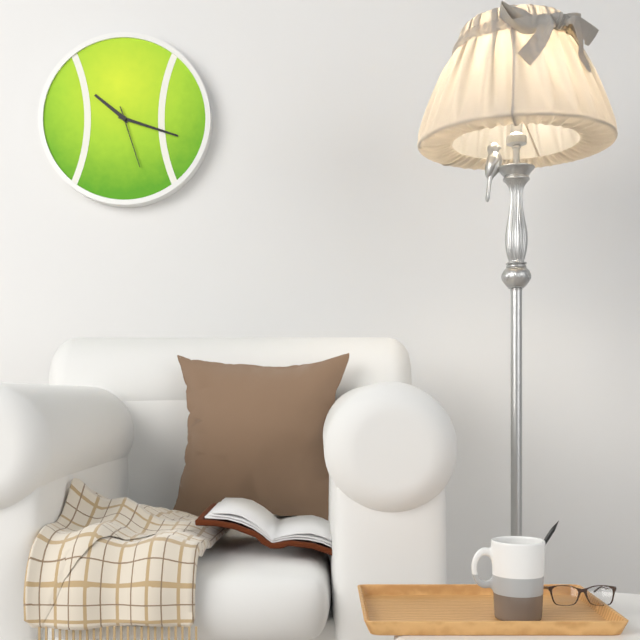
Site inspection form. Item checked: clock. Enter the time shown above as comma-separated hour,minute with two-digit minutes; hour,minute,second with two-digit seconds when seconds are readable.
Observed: 10,18,27
